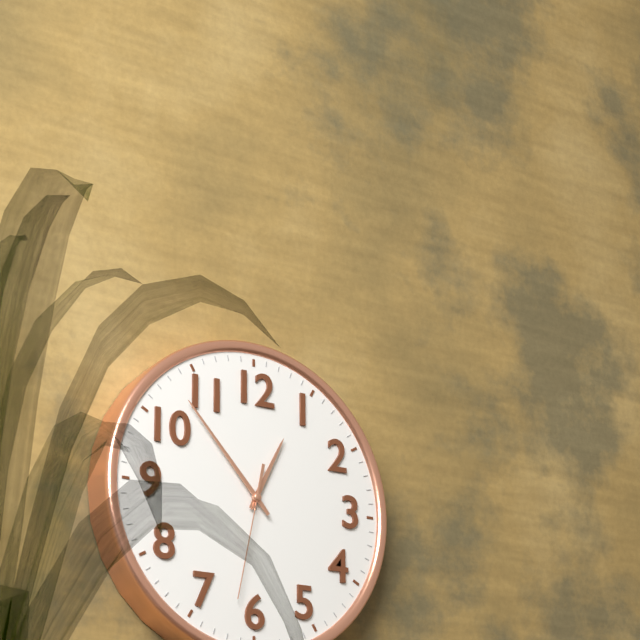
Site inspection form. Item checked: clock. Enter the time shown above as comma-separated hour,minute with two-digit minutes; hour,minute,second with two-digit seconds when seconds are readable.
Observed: 12,53,32
